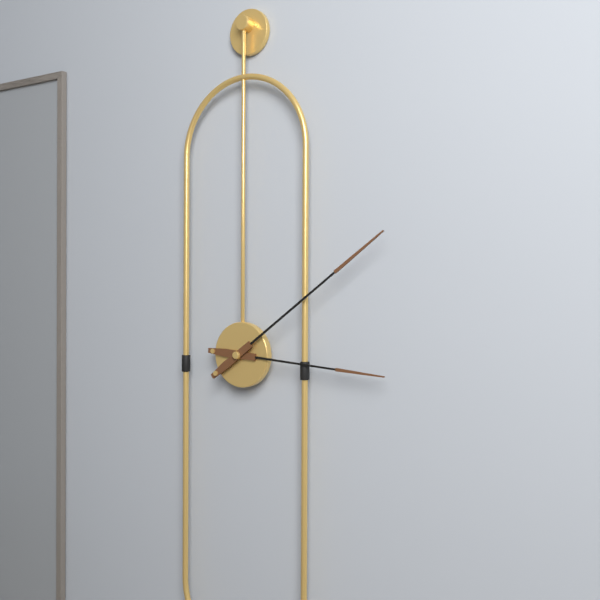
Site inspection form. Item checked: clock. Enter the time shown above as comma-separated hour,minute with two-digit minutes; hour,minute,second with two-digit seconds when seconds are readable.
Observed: 3,09
